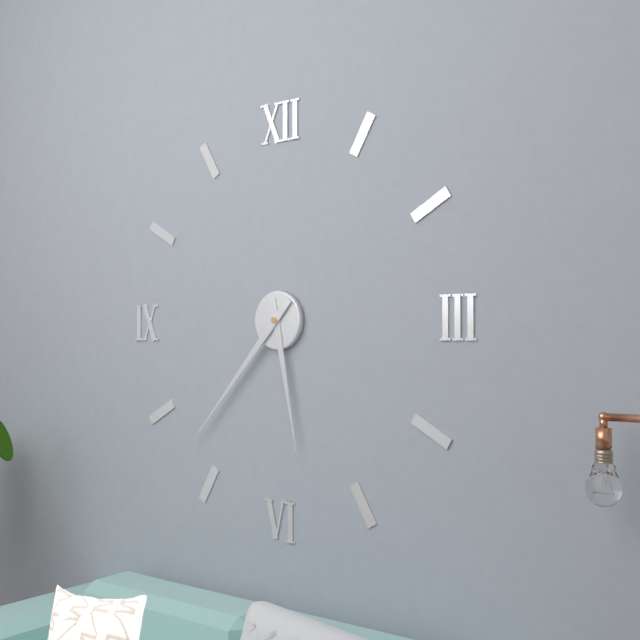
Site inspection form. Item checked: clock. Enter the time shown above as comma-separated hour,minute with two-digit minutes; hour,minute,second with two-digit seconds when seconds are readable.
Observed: 5,37
